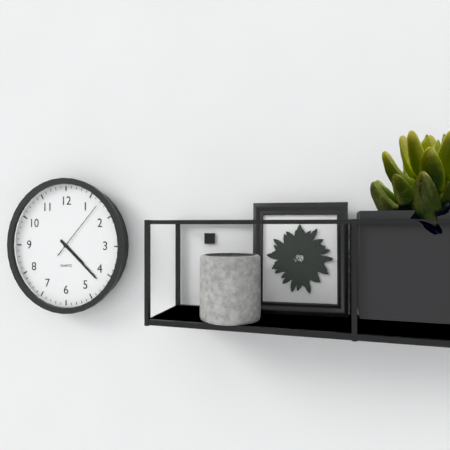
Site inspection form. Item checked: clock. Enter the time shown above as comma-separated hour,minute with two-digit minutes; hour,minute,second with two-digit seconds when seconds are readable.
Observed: 4,22,07
